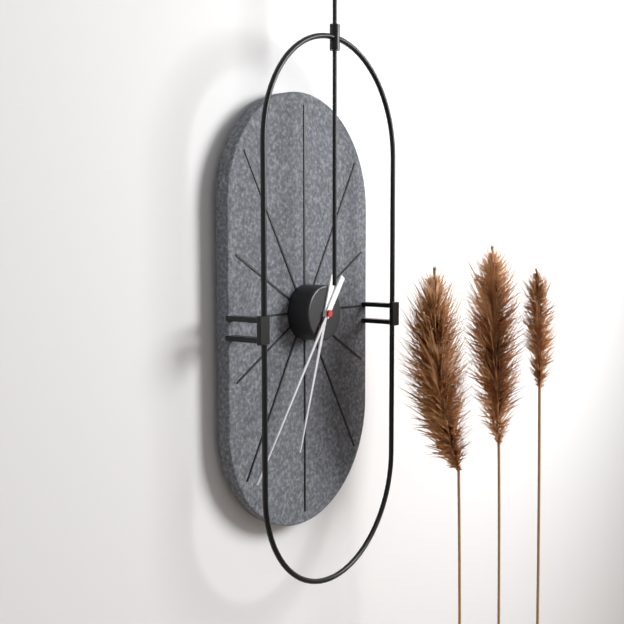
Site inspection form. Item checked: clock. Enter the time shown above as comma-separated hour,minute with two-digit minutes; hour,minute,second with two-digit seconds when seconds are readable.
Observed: 6,36
